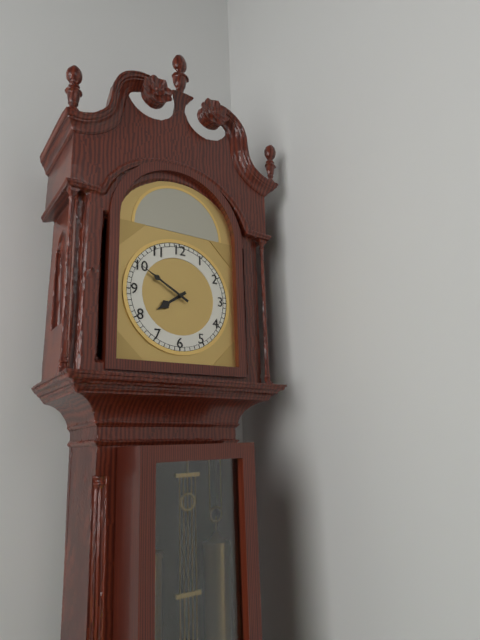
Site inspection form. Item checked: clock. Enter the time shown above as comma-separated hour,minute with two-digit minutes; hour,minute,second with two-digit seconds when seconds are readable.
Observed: 7,50
